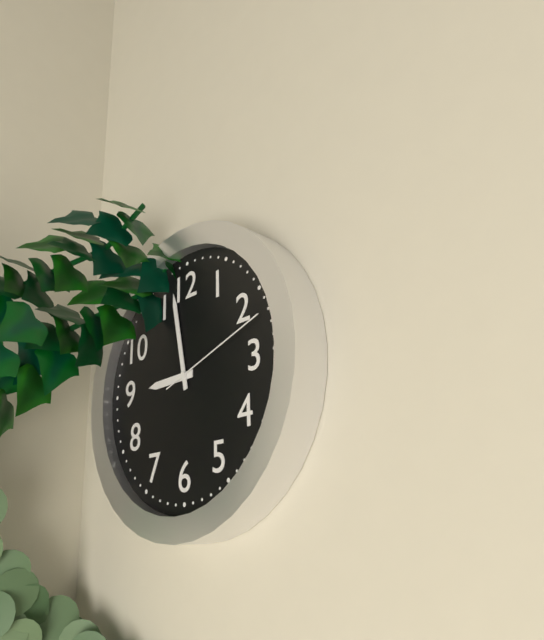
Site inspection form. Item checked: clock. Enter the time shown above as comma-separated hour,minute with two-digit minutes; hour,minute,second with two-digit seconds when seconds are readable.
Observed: 8,58,12
